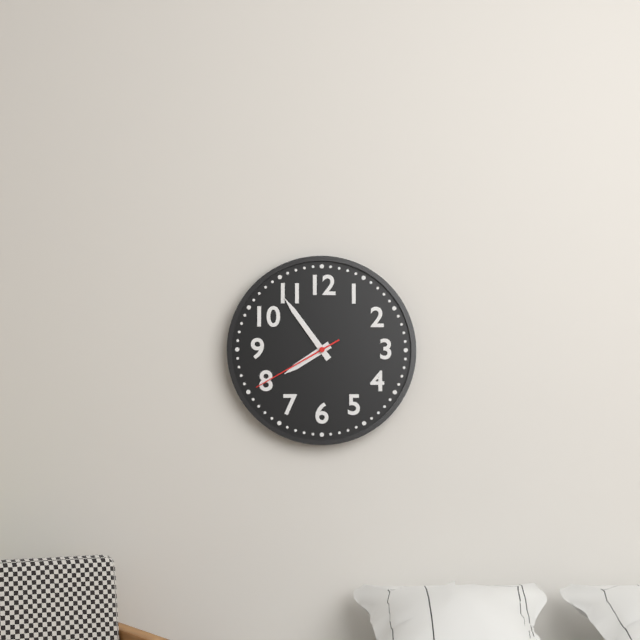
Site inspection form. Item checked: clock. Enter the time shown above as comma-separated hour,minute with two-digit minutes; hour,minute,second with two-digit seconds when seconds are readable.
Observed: 7,54,40
